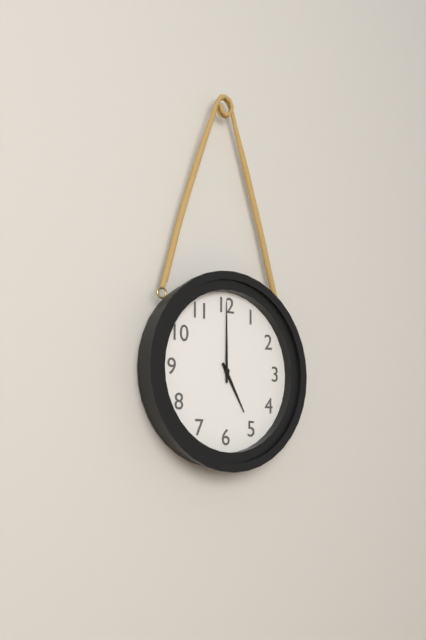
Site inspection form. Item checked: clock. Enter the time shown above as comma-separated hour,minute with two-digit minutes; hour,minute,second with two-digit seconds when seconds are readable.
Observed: 5,00
